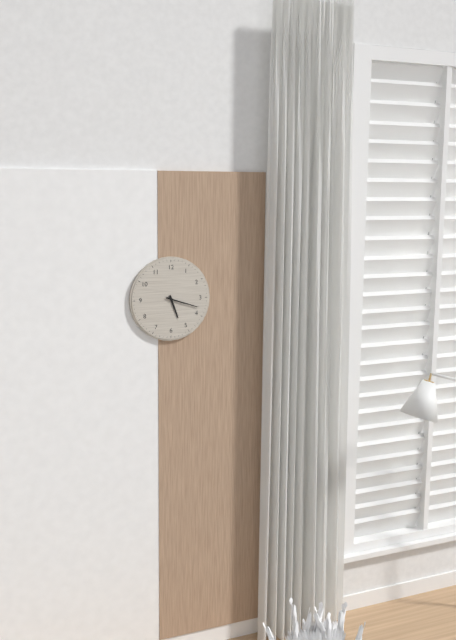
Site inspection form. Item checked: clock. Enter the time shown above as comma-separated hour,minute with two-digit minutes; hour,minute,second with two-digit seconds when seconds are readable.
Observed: 5,18
